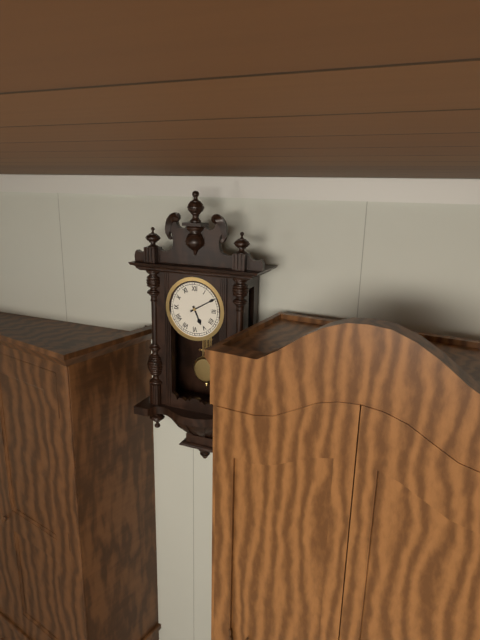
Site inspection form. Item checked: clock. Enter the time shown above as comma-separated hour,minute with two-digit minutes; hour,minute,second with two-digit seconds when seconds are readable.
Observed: 5,10
